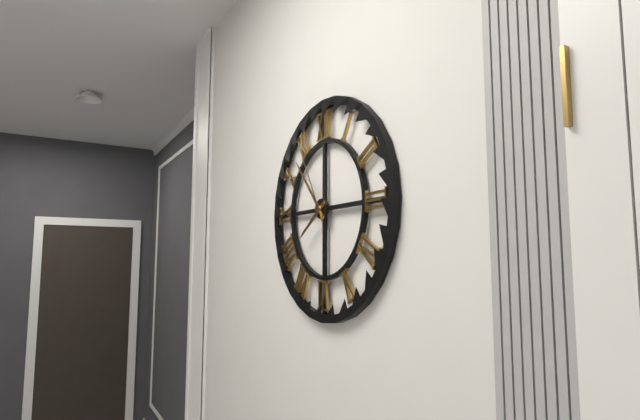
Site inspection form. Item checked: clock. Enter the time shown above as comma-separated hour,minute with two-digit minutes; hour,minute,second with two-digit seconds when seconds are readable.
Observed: 7,53,55
